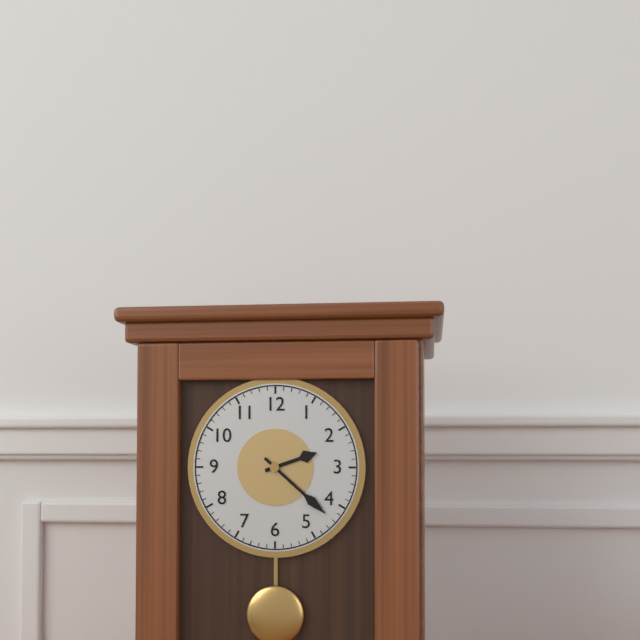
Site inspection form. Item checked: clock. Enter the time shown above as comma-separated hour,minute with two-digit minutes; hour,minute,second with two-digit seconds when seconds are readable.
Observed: 2,22
